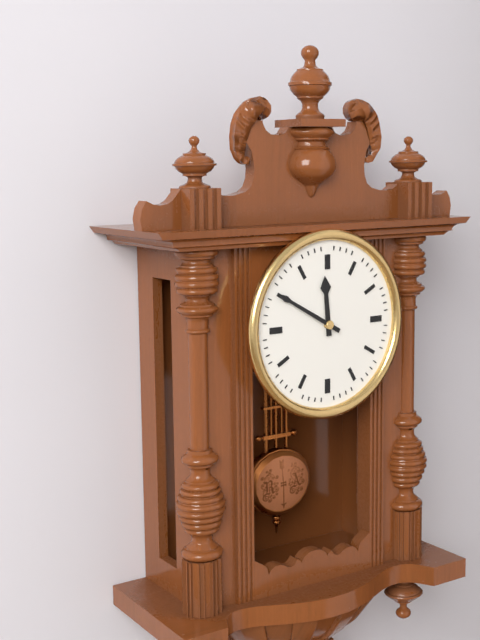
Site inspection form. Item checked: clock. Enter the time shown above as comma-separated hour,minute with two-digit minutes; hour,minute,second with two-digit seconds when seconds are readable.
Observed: 11,50
